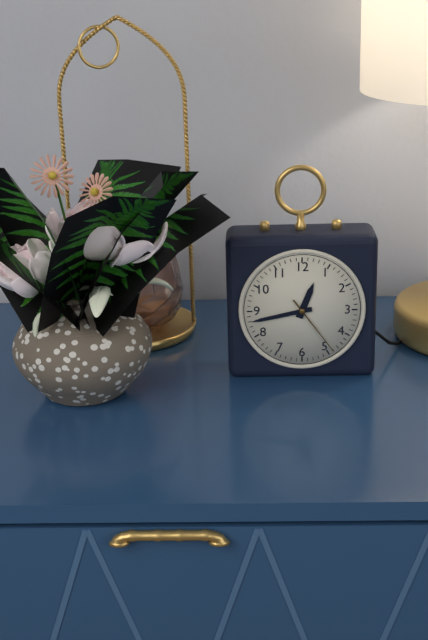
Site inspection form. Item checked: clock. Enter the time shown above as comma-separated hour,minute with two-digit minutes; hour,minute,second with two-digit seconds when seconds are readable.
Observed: 12,43,24
